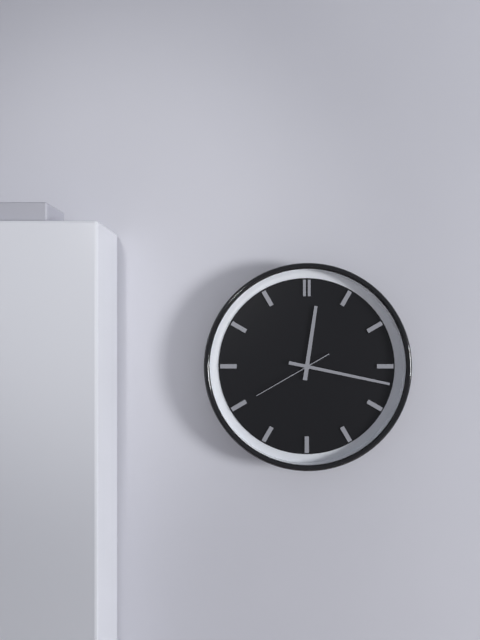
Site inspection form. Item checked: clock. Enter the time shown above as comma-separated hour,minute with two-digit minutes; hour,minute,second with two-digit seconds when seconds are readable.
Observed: 12,17,40
